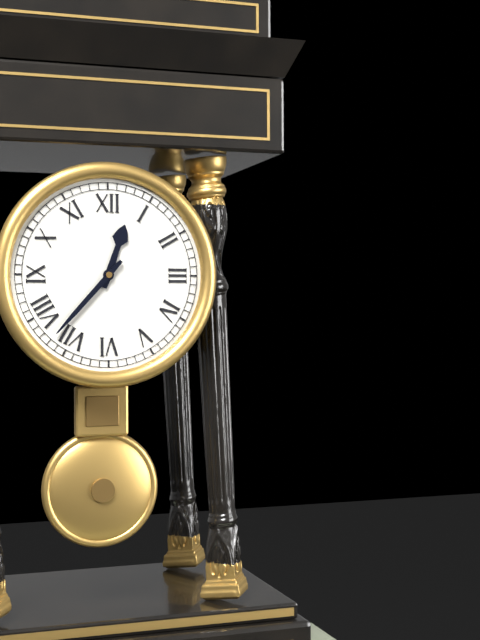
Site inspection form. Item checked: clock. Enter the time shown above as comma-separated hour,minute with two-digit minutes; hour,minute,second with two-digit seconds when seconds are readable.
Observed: 12,37
